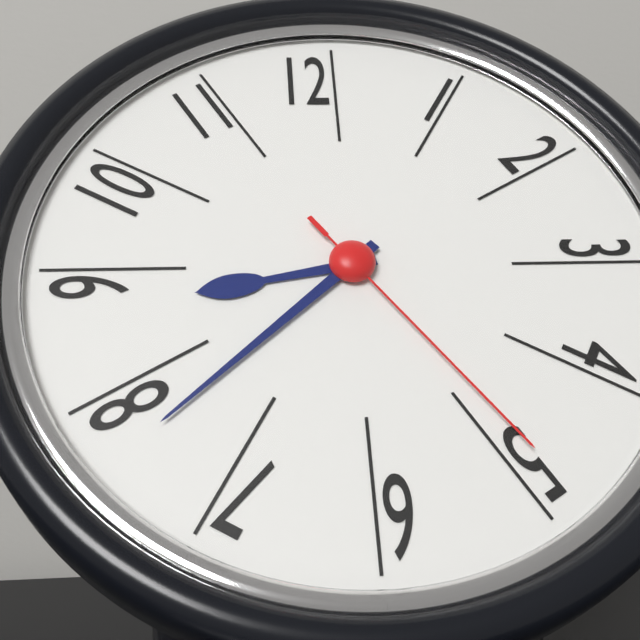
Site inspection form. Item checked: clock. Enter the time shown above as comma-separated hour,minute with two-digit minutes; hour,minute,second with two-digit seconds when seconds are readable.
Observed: 8,38,24
